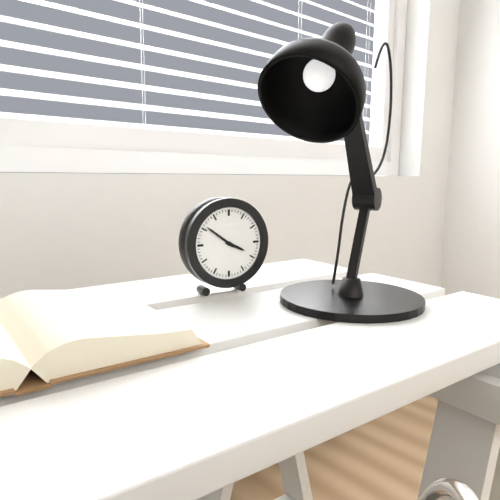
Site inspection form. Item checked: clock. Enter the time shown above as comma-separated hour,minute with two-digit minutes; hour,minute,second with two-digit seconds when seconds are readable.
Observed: 3,51
